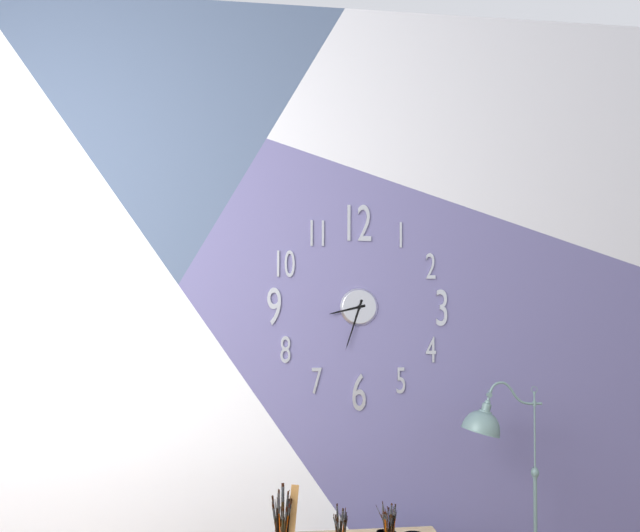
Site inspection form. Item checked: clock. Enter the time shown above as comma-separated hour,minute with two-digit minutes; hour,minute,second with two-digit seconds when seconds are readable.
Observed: 8,33
